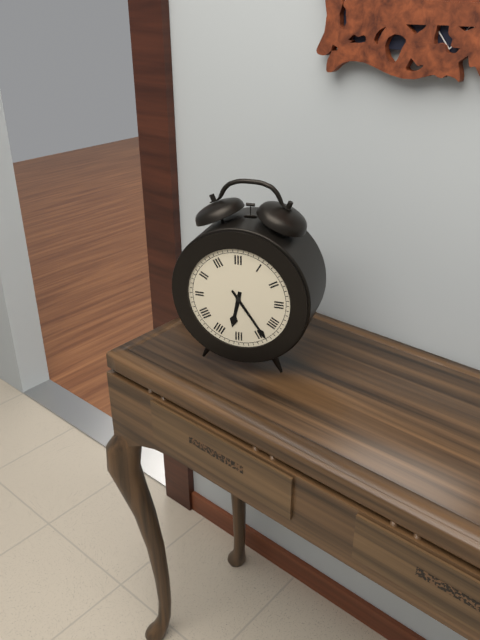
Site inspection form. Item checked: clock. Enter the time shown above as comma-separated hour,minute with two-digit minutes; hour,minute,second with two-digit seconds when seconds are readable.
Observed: 6,24
